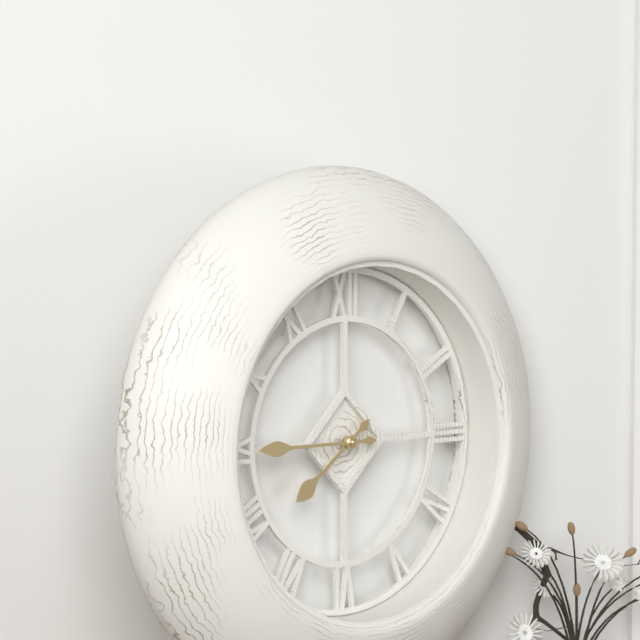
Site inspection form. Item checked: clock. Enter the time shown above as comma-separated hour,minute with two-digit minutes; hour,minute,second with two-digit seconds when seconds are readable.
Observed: 7,45
